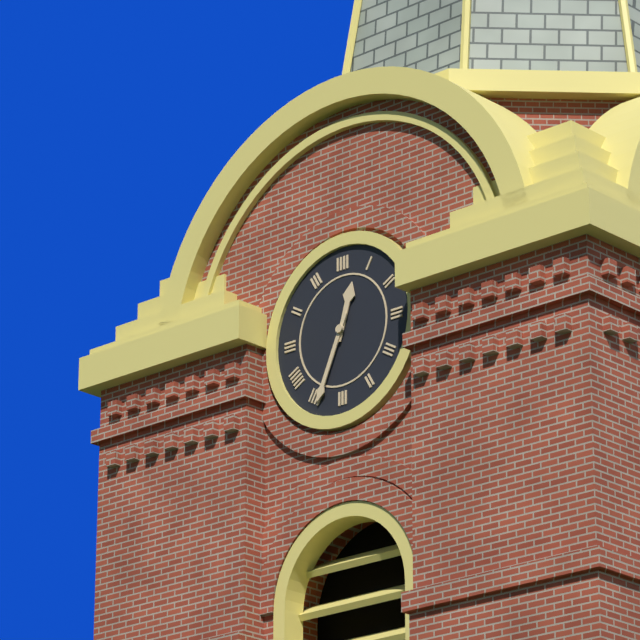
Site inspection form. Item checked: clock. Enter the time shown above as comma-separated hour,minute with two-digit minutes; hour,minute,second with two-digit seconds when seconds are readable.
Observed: 12,34
